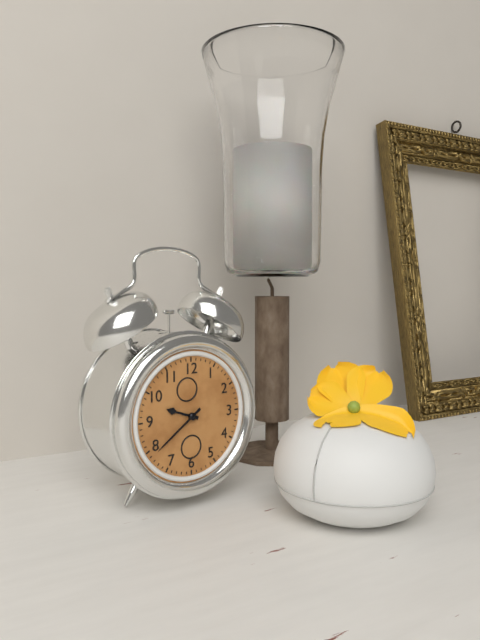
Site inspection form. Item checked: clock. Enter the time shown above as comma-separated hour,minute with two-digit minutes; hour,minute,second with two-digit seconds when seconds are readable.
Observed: 9,39
